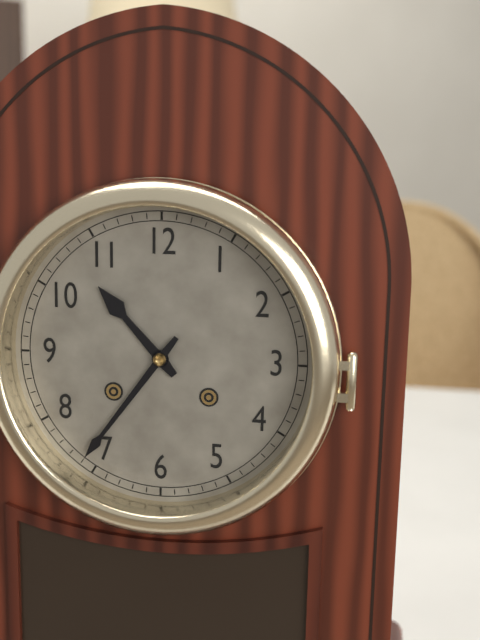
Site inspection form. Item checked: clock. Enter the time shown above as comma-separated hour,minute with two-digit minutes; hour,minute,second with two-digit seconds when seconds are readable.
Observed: 10,36
